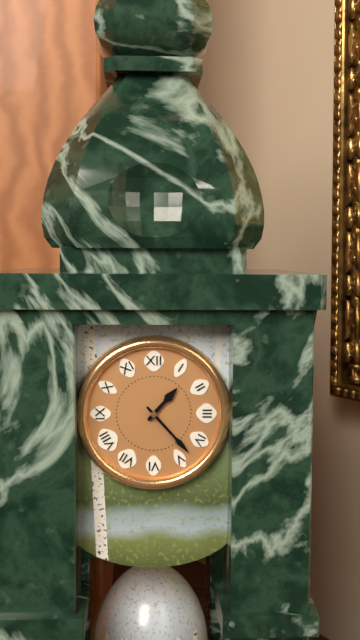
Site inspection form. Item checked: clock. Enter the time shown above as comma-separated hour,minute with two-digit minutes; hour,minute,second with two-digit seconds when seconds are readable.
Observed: 1,23
